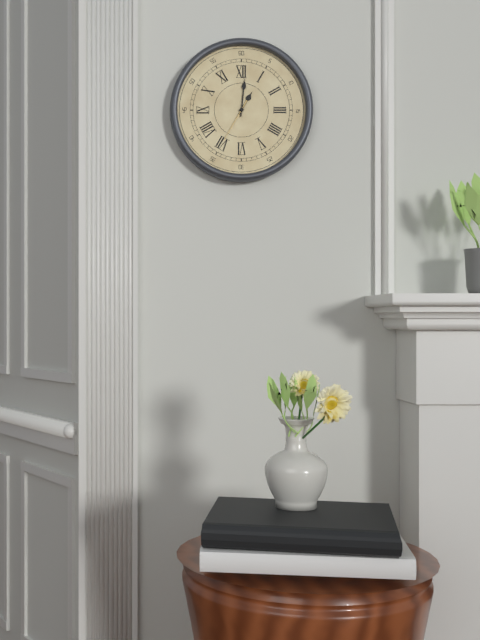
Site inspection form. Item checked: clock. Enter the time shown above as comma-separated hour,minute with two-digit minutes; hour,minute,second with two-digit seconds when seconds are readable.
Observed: 1,01
